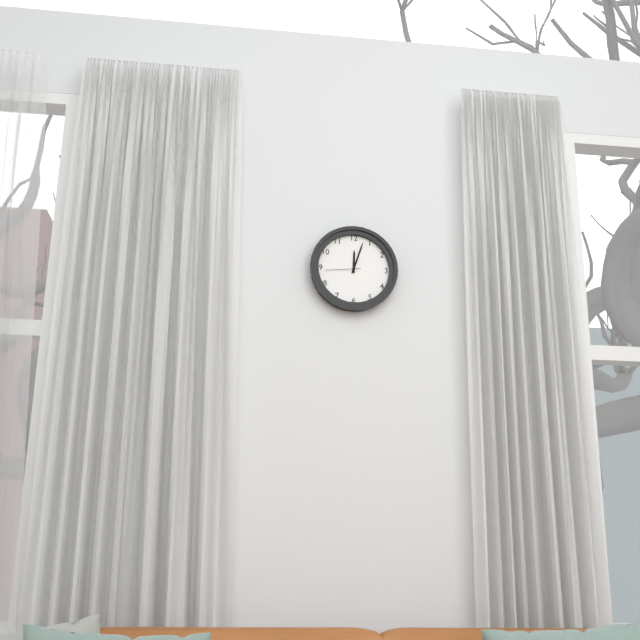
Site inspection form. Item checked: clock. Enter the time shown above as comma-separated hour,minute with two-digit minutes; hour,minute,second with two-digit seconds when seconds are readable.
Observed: 12,03
